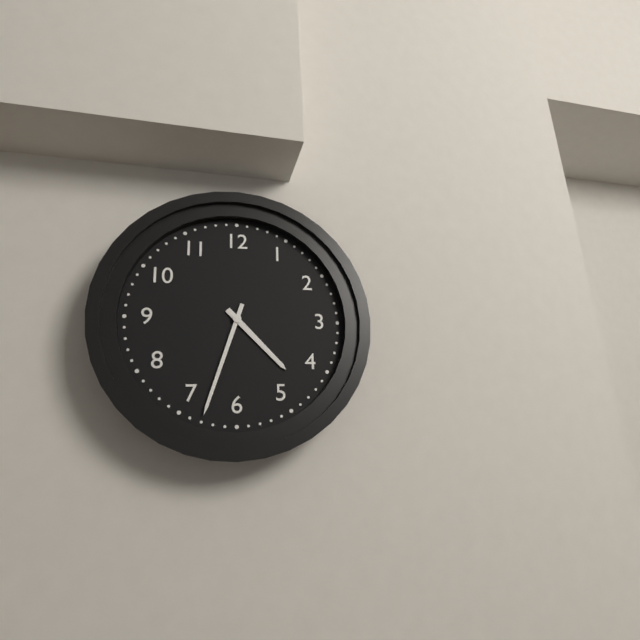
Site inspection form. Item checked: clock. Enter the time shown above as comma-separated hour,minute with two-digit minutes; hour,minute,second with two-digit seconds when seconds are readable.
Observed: 4,33
